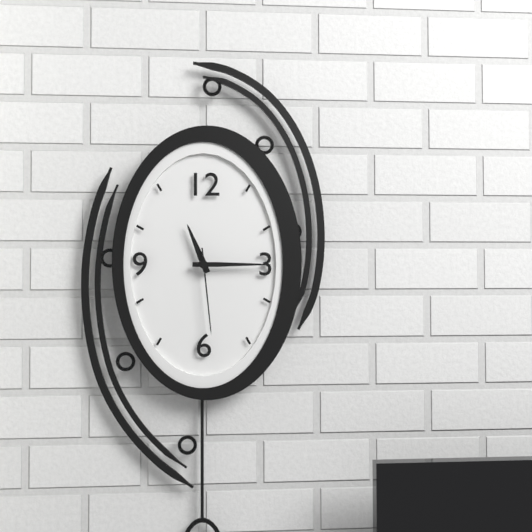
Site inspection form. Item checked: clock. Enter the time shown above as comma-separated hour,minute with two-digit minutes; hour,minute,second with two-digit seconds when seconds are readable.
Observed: 11,15,29
